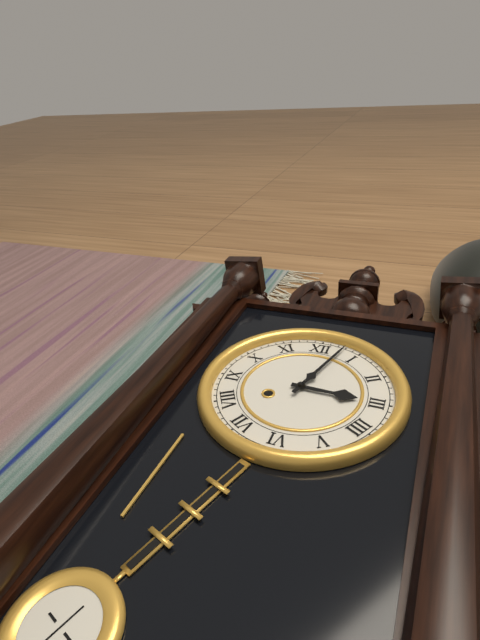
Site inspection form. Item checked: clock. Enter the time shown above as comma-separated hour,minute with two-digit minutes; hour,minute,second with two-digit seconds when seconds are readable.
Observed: 3,03
